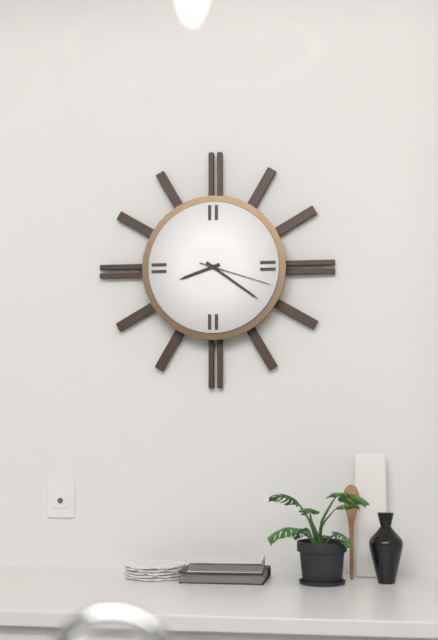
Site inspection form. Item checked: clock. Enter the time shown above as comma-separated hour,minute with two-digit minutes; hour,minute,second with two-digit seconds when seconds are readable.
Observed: 8,21,18
